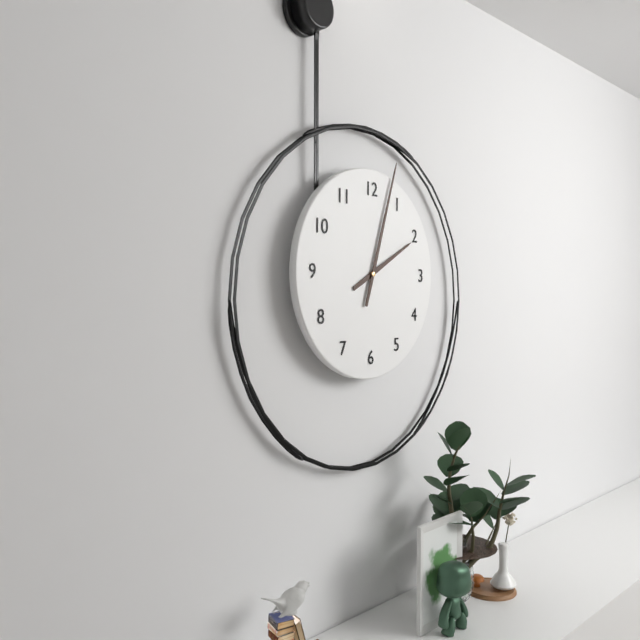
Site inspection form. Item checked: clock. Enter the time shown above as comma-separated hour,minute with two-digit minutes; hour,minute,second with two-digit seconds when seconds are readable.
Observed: 2,03
